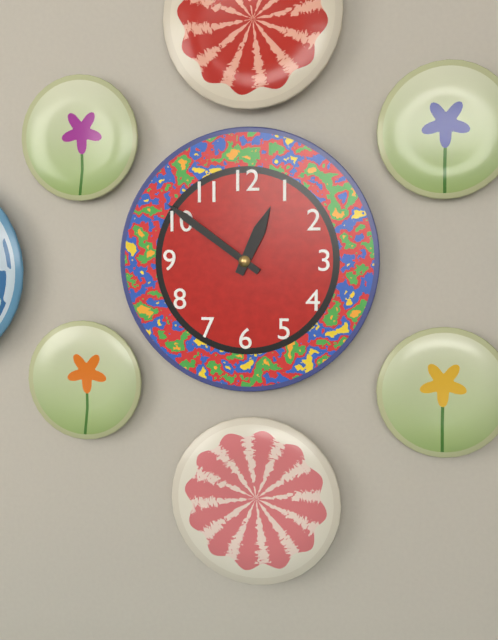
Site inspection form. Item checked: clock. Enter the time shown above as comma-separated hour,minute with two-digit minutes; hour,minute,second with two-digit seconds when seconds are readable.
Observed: 12,51
